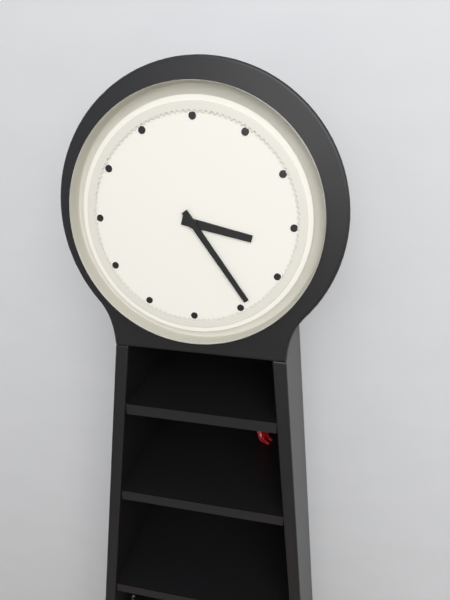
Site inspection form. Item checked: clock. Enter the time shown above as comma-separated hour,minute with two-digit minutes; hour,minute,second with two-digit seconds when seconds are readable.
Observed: 3,24
